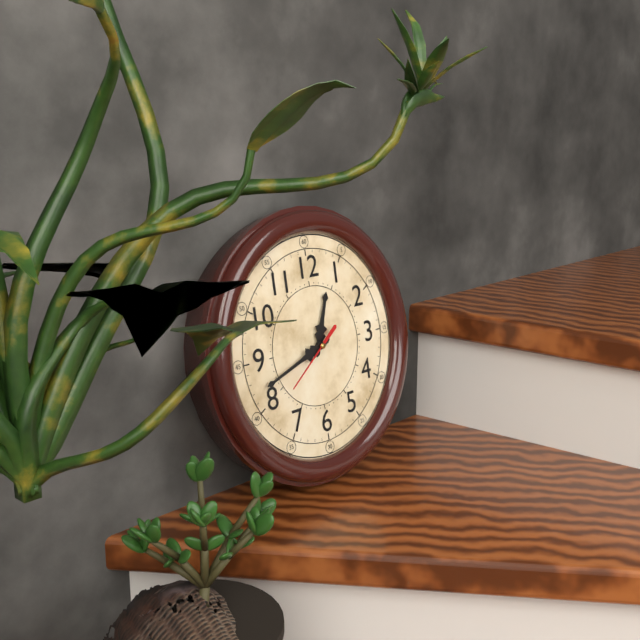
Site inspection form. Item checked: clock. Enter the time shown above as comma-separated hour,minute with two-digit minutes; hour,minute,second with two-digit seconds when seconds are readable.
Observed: 12,42,39
